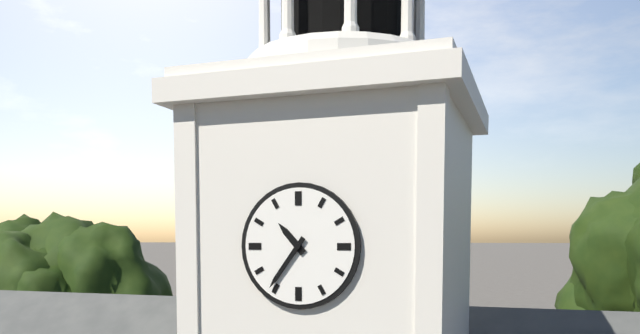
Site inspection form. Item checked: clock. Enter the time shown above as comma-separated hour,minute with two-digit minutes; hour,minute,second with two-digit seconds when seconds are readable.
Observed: 10,36
